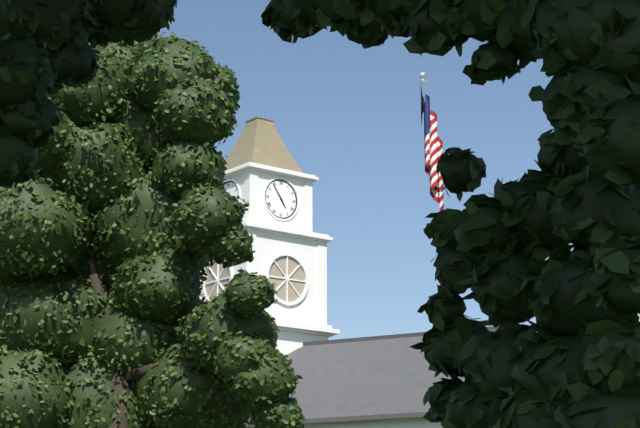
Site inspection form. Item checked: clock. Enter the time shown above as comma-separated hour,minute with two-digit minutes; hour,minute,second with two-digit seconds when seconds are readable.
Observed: 4,54
